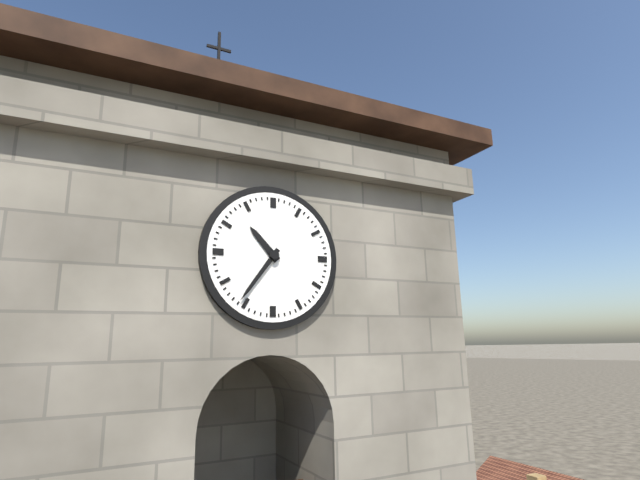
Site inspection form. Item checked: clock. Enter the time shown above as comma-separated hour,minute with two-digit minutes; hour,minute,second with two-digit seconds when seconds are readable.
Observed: 10,36
